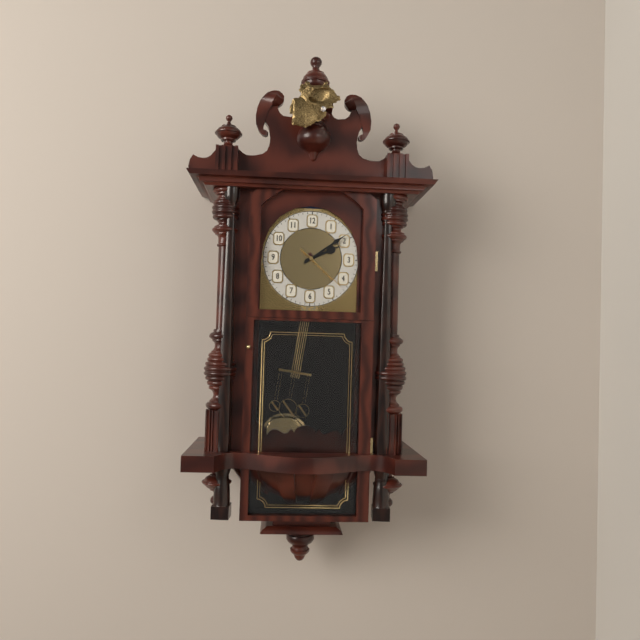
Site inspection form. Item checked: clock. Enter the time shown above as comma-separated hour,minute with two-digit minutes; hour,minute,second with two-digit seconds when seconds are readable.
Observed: 2,09,22
